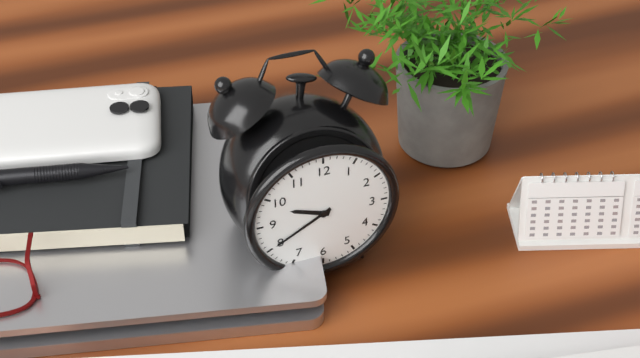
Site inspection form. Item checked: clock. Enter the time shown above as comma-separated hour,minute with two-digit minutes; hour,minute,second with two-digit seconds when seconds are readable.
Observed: 9,40
